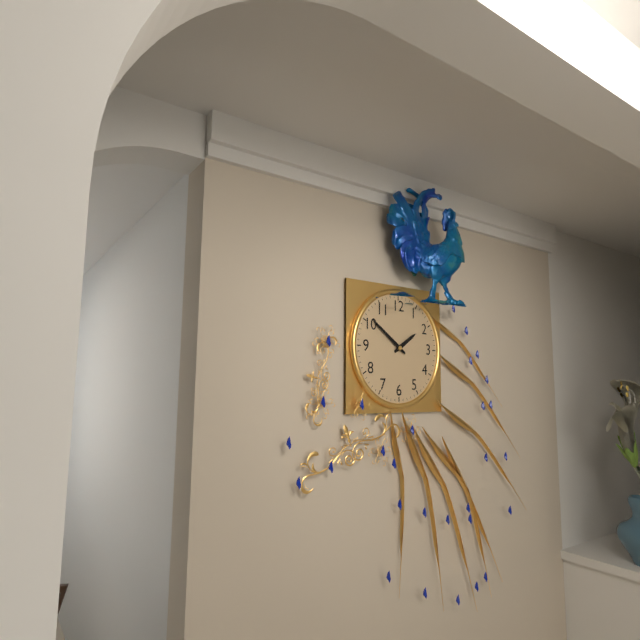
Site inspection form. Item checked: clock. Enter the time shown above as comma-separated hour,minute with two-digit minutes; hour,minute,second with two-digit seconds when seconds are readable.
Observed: 1,51
